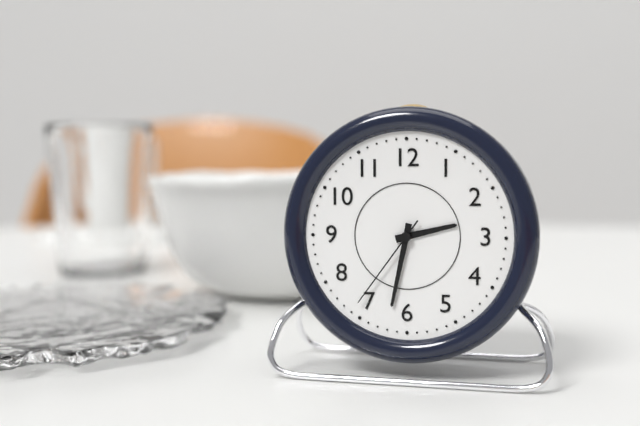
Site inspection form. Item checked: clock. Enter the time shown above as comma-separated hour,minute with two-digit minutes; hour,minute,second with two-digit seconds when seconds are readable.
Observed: 2,32,36
